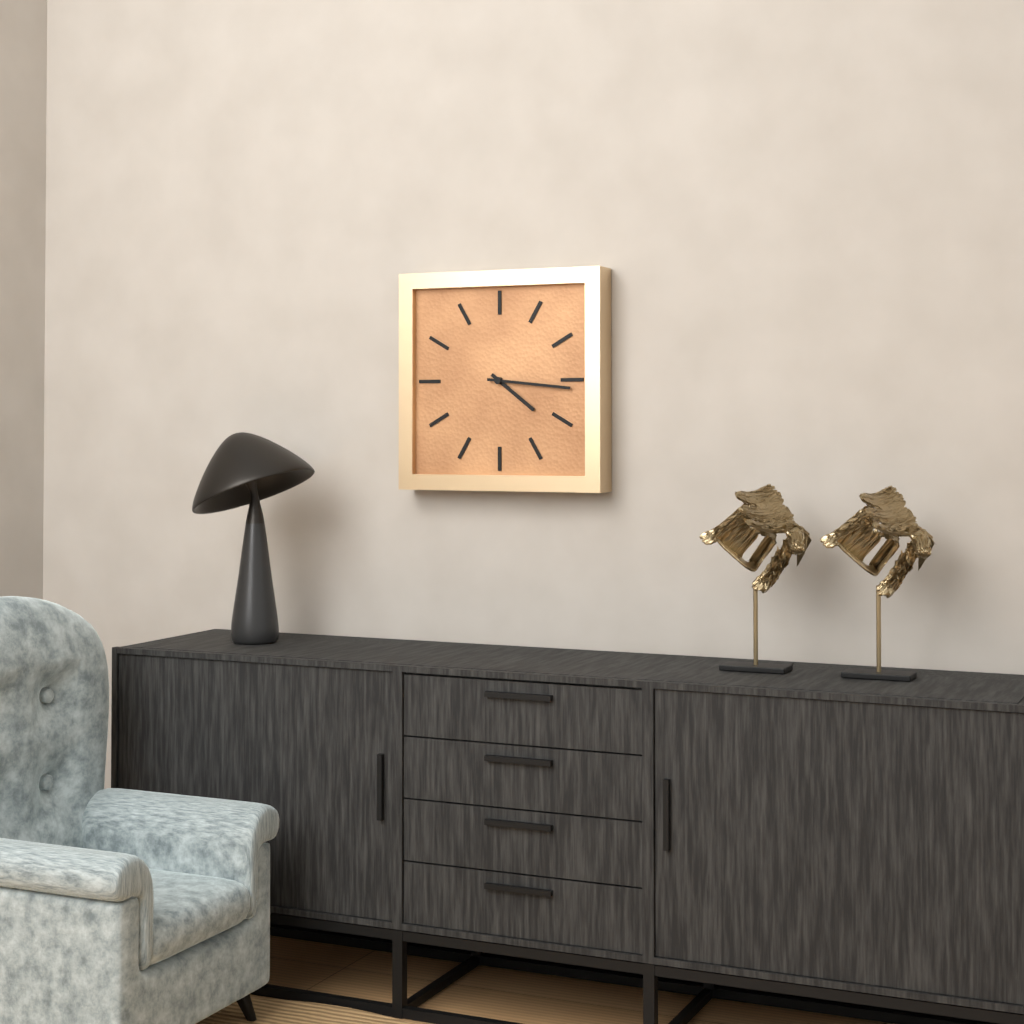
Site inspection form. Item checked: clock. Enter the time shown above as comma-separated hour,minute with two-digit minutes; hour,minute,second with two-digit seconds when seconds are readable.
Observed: 4,16
